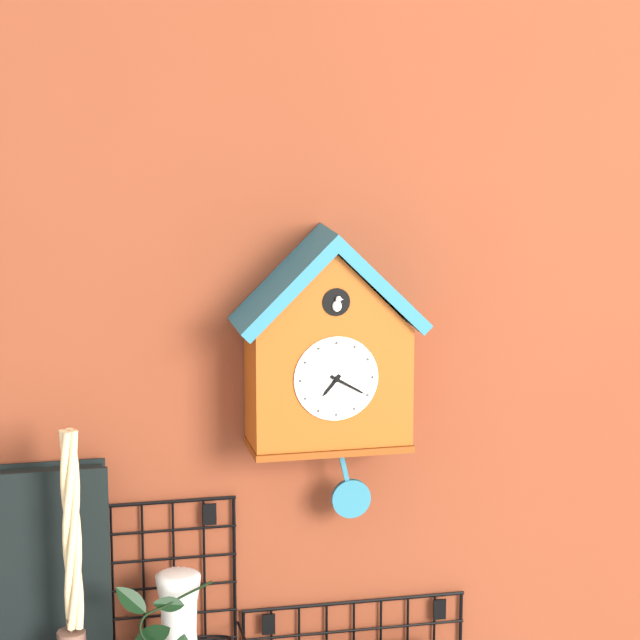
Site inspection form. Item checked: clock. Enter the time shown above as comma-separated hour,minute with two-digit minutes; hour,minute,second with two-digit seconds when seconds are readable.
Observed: 7,20
